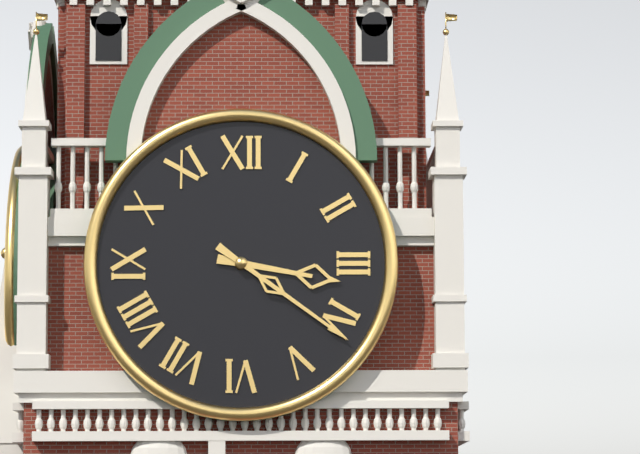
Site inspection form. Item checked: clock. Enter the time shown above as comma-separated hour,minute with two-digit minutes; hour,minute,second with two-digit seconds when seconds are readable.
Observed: 3,21
